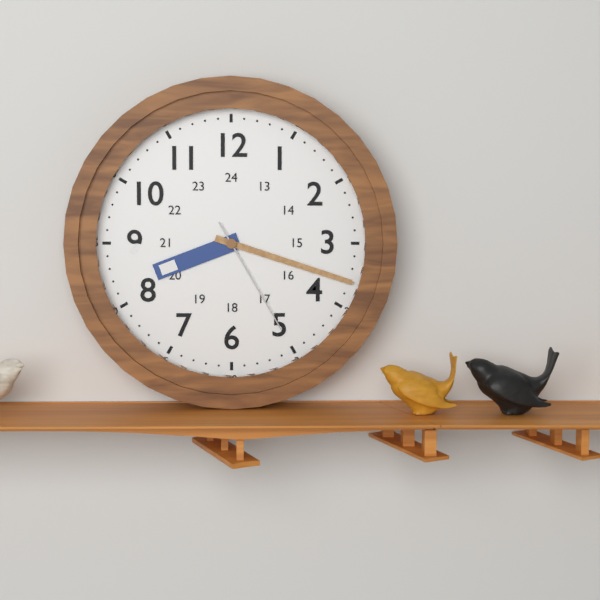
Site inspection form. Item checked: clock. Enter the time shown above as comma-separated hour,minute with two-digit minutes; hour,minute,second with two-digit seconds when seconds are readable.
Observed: 8,18,25
